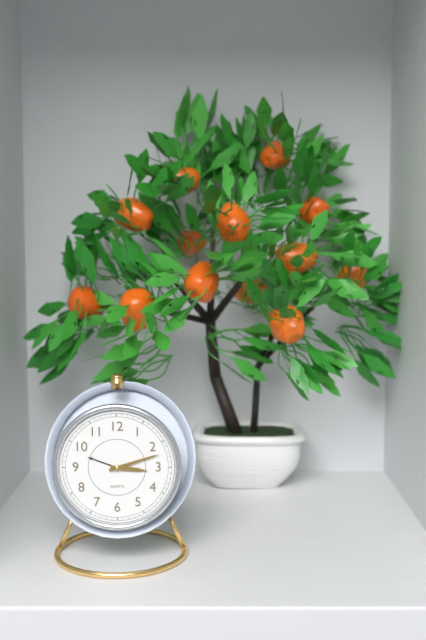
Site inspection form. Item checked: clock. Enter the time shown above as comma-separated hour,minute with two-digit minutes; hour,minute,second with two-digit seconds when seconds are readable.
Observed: 3,12
